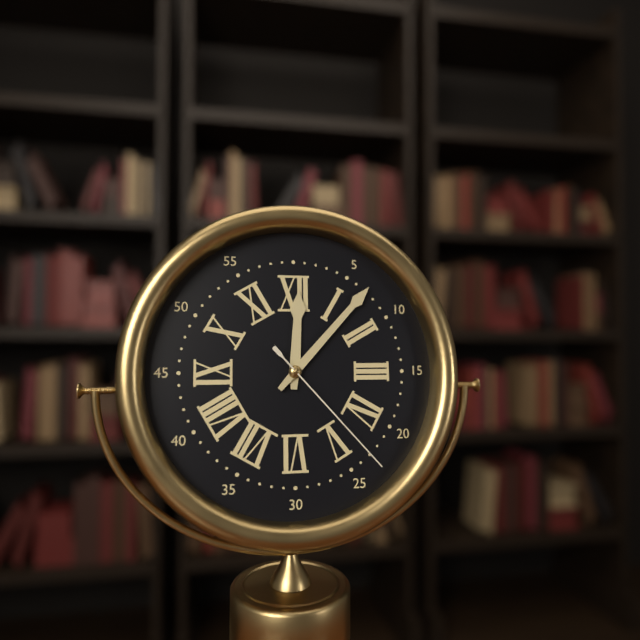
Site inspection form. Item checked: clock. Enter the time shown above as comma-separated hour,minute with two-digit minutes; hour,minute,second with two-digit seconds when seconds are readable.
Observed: 12,07,23
